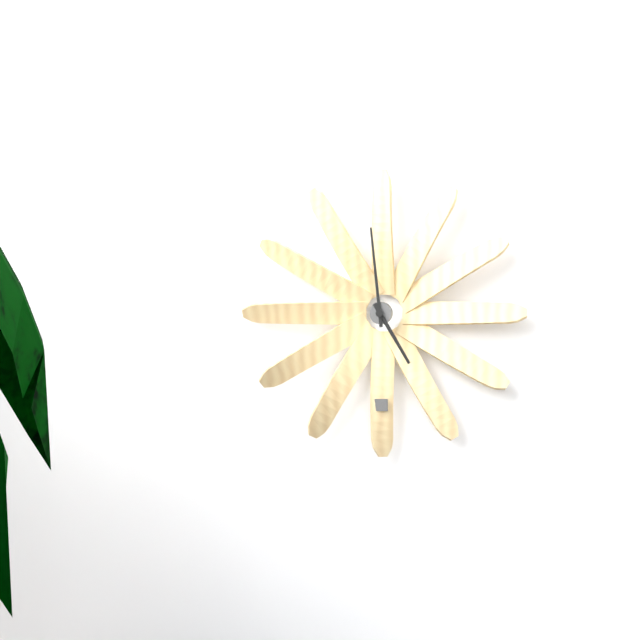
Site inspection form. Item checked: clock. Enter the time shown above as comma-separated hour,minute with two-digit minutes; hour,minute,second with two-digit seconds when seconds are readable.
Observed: 4,59
